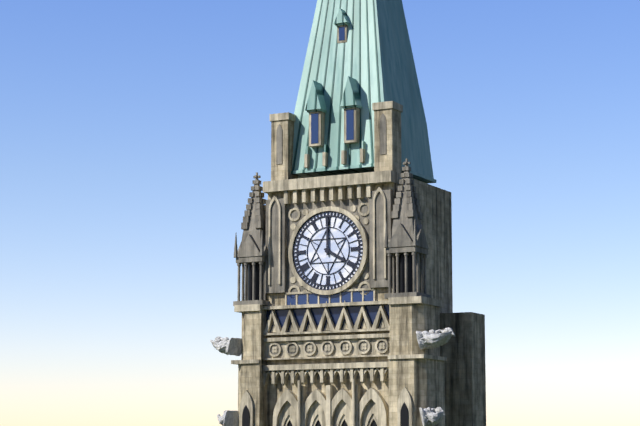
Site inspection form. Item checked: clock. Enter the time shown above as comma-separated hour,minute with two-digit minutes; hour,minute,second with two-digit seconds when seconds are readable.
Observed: 4,00
